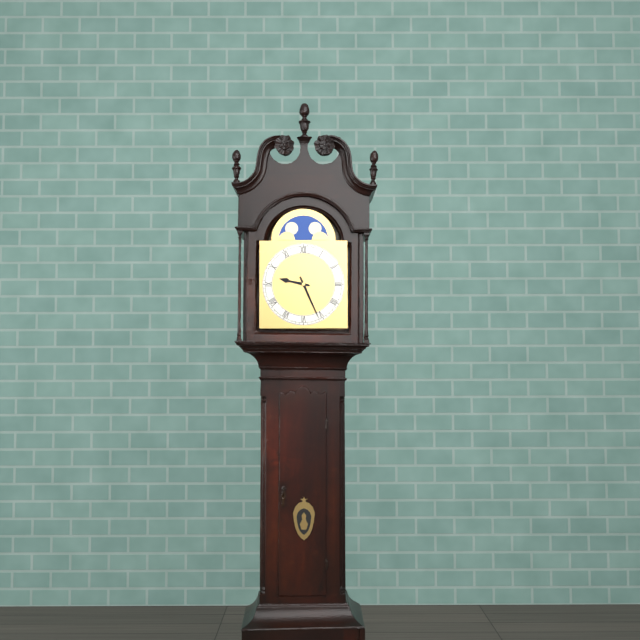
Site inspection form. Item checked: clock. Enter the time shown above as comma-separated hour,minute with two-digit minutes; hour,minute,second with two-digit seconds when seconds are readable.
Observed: 9,26
